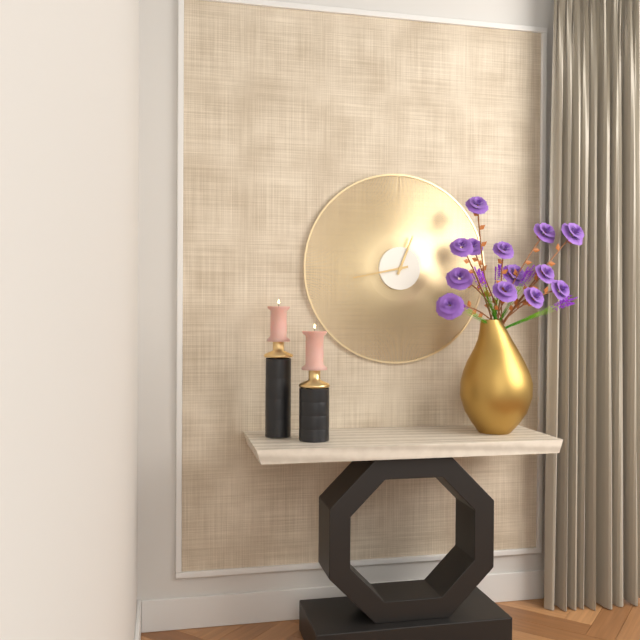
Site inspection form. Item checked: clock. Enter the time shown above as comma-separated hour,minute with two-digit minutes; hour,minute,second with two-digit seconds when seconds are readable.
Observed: 12,43
